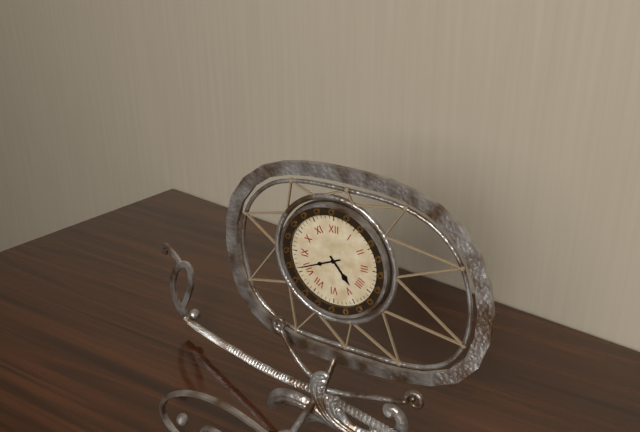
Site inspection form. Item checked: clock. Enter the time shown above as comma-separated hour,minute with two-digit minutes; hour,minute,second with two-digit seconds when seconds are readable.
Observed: 4,41
